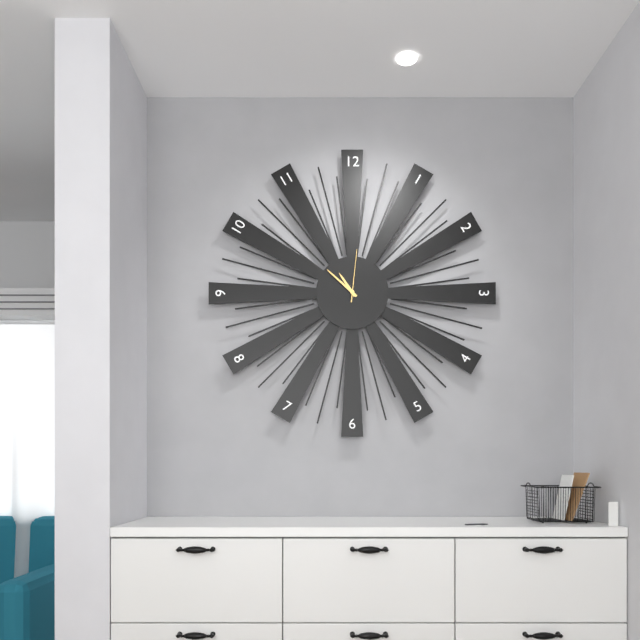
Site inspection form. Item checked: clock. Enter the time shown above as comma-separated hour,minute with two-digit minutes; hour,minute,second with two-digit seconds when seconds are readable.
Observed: 10,52,01
